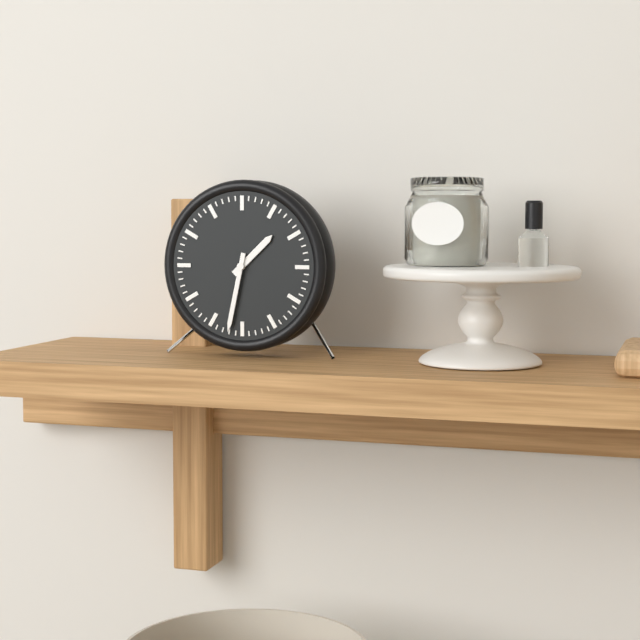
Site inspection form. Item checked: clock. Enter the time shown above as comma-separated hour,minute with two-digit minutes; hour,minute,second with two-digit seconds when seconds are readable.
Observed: 1,32
